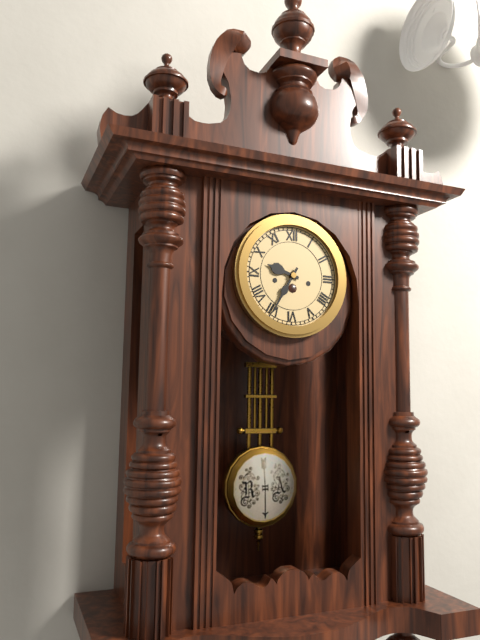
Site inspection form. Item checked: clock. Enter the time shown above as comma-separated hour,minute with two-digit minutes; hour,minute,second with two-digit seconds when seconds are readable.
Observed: 9,35
